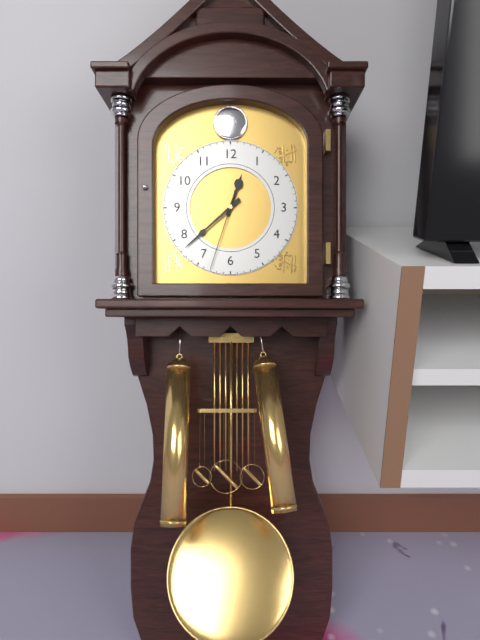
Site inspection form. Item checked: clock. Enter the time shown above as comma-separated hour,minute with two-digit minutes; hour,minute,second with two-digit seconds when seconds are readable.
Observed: 12,38,33
